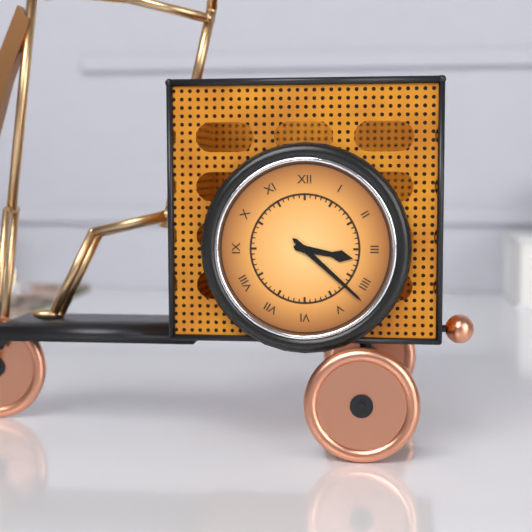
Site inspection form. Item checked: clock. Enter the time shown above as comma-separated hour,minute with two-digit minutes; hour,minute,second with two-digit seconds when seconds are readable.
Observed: 3,22
